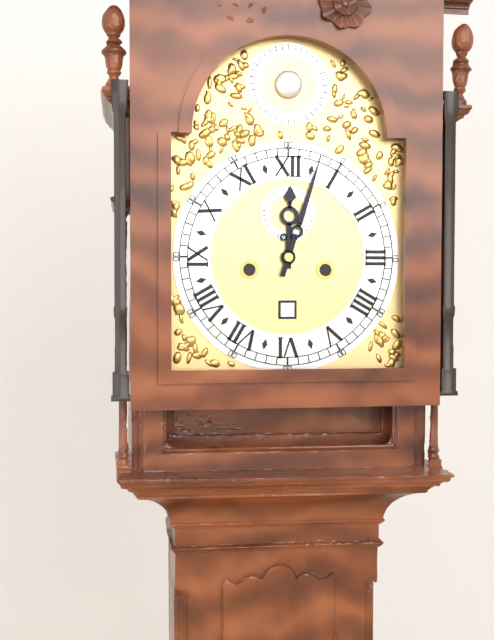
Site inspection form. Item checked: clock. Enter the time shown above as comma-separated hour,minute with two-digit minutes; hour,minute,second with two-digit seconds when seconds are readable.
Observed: 12,03
